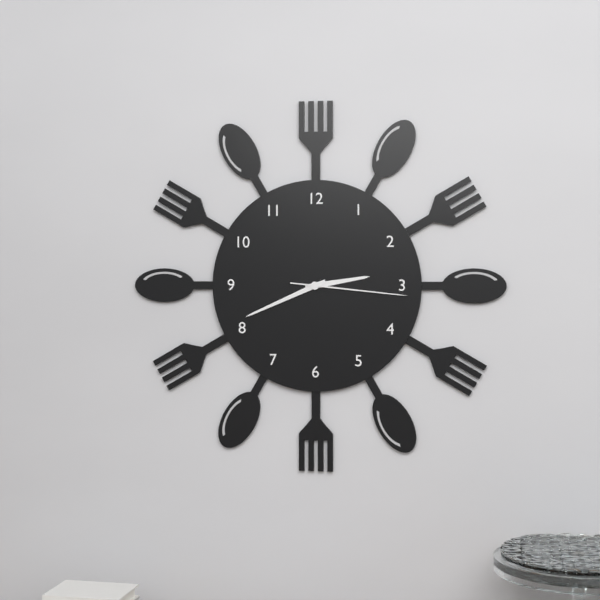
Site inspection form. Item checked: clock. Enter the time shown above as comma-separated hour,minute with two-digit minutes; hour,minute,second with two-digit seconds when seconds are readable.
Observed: 2,41,16
